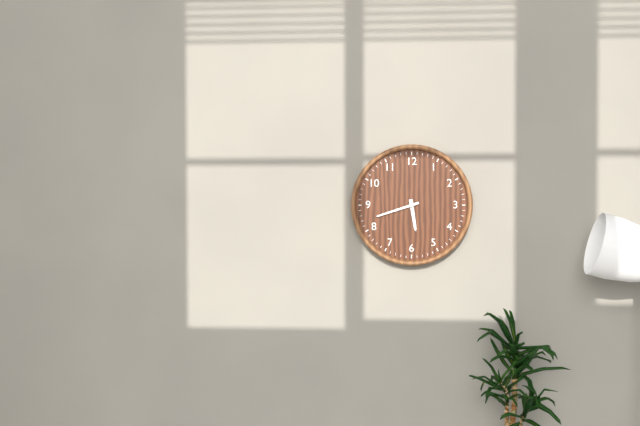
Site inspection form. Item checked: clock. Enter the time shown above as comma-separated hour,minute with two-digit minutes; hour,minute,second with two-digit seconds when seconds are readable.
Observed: 5,42
